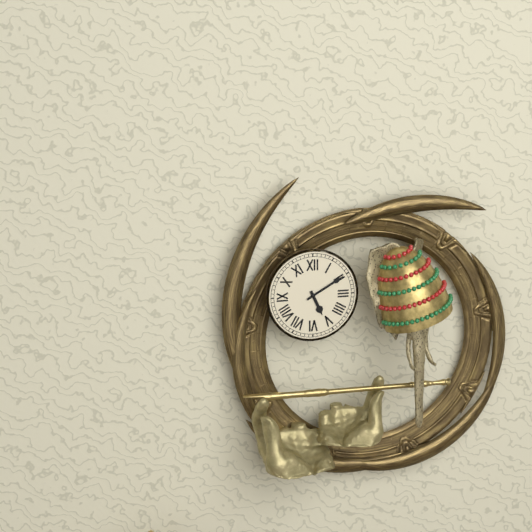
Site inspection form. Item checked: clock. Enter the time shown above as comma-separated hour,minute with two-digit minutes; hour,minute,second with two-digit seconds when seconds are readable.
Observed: 5,10
